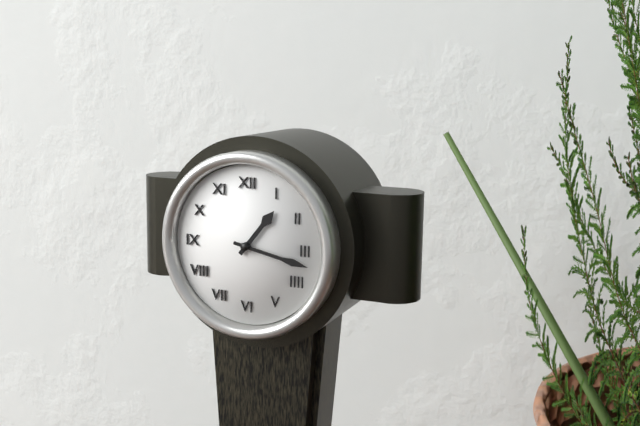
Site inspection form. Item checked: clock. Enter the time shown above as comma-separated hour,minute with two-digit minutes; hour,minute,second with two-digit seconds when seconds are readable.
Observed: 1,17
